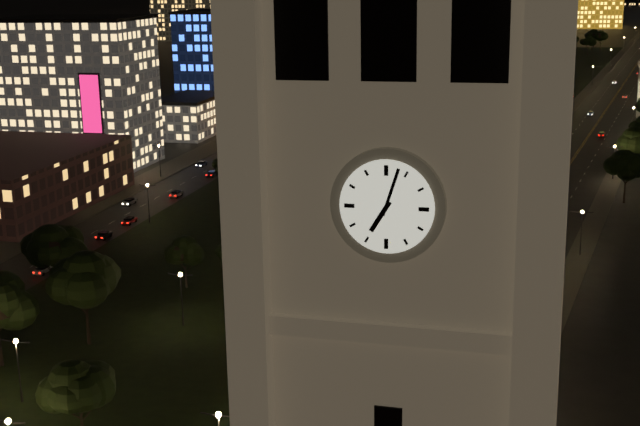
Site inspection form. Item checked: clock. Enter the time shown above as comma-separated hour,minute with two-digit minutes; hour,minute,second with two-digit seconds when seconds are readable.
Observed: 7,03
